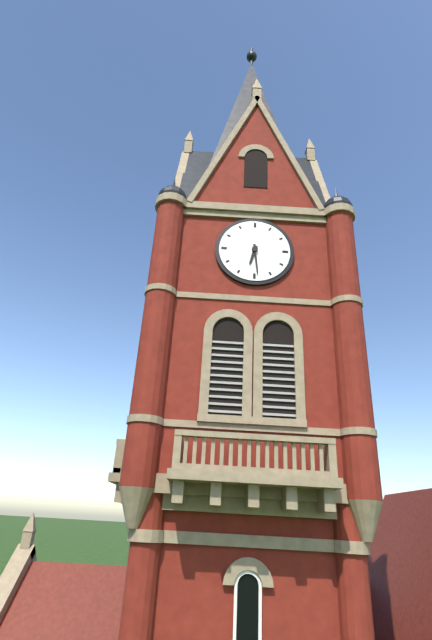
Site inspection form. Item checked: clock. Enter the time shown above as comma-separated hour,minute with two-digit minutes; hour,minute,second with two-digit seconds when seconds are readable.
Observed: 6,29
